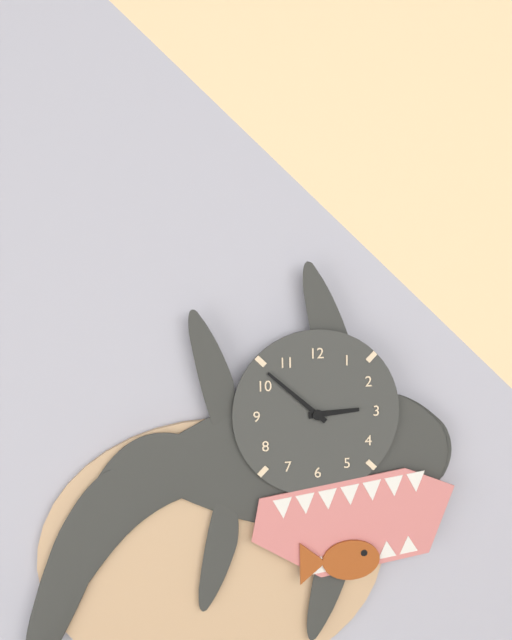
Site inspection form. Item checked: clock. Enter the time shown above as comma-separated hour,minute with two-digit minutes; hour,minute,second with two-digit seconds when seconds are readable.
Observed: 2,52
